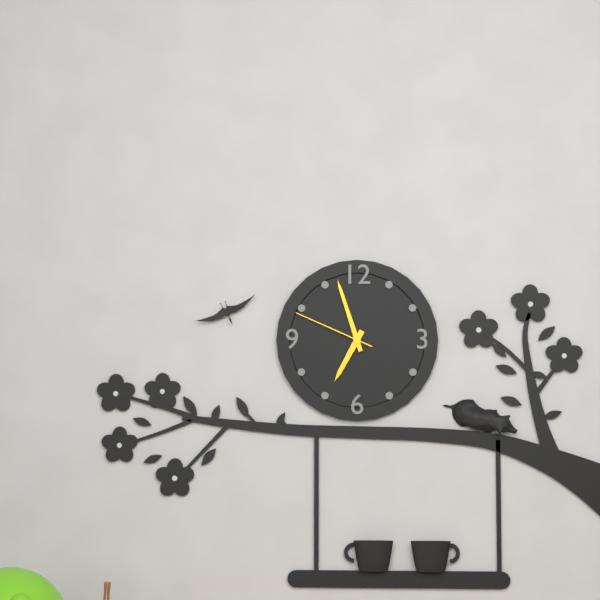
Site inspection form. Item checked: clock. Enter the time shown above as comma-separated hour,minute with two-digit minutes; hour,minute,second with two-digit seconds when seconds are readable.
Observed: 6,57,49
